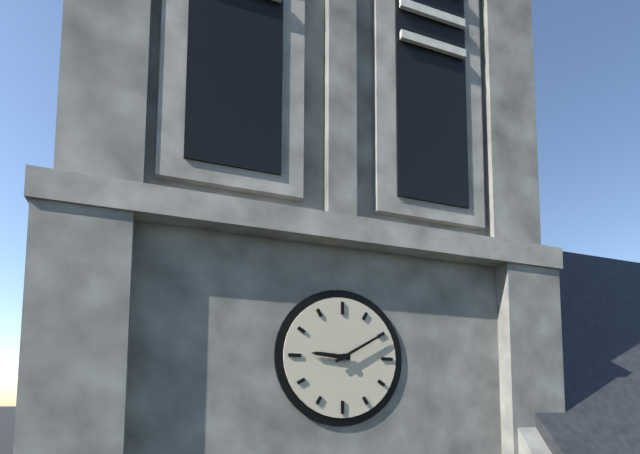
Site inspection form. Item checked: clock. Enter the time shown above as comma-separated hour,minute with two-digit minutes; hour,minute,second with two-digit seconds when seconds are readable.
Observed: 9,10
